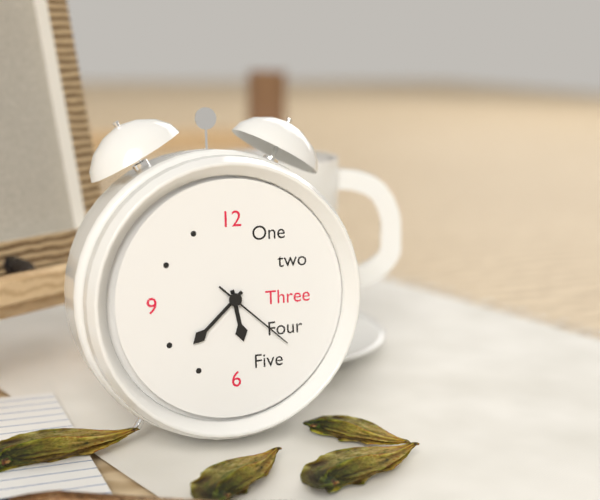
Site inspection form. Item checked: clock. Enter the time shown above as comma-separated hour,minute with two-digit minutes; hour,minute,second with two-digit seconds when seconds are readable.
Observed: 5,38,22
